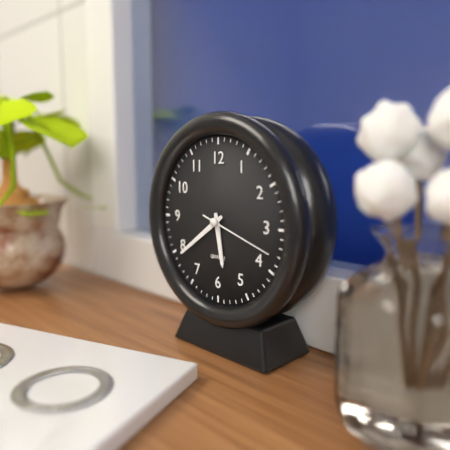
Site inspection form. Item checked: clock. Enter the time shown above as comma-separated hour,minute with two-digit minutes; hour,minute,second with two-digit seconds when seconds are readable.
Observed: 5,39,18
